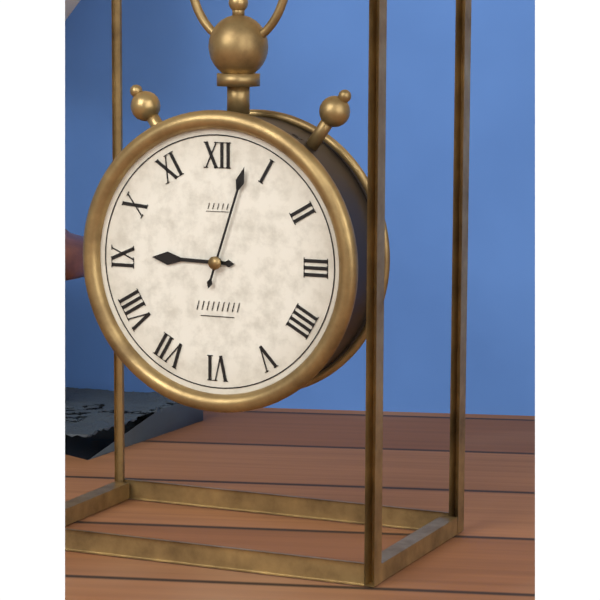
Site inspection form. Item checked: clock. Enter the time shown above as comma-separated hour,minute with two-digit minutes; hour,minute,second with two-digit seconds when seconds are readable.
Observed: 9,03
